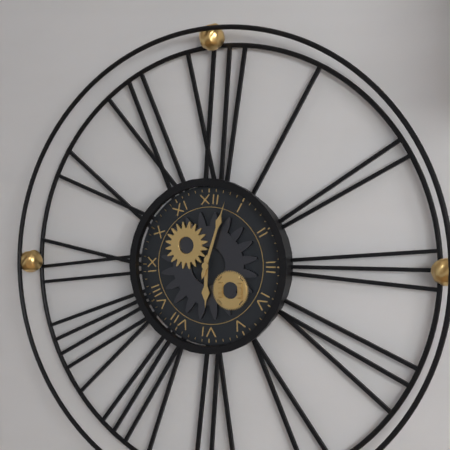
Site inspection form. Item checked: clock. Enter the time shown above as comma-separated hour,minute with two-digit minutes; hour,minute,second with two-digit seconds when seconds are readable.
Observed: 6,03
